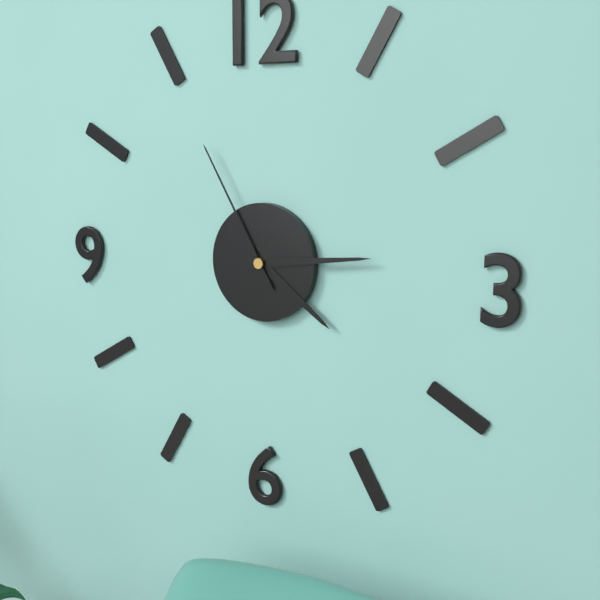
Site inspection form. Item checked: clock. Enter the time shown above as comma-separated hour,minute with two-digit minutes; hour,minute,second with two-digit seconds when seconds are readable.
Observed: 4,14,55
